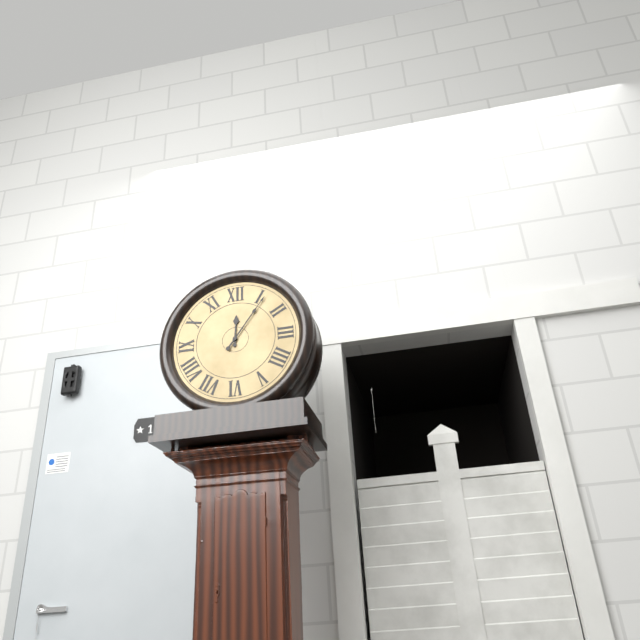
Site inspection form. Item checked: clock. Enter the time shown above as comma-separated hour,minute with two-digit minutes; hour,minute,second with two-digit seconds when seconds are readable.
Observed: 12,06
